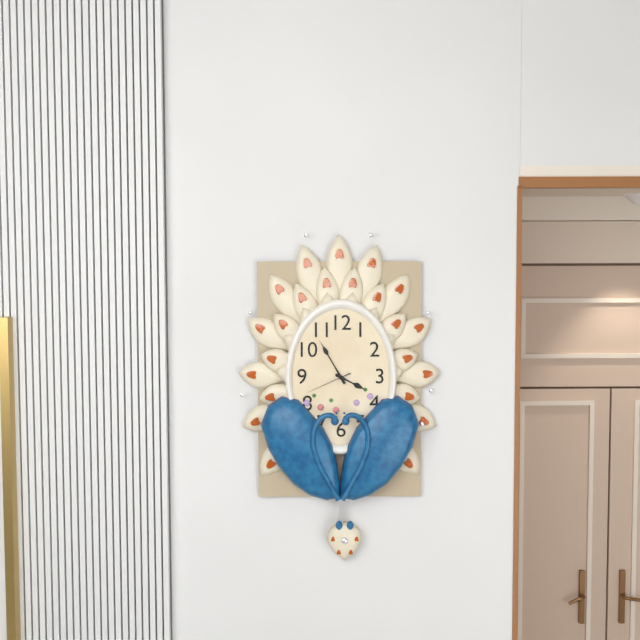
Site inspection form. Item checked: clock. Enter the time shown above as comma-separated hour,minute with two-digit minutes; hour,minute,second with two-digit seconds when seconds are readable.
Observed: 3,55
